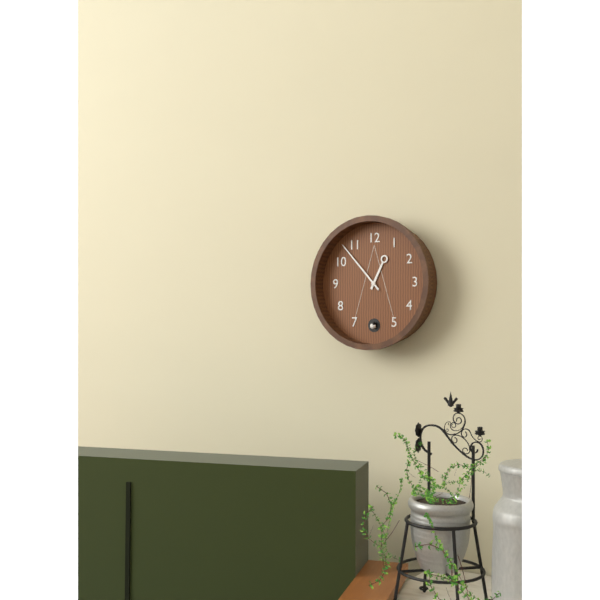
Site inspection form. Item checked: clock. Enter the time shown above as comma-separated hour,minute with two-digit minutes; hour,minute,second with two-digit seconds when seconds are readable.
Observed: 12,53
